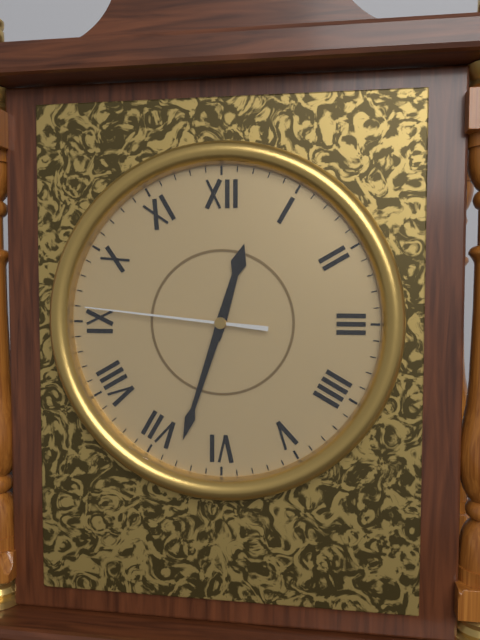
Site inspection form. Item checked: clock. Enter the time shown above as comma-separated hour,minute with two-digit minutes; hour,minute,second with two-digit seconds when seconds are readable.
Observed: 12,33,46
